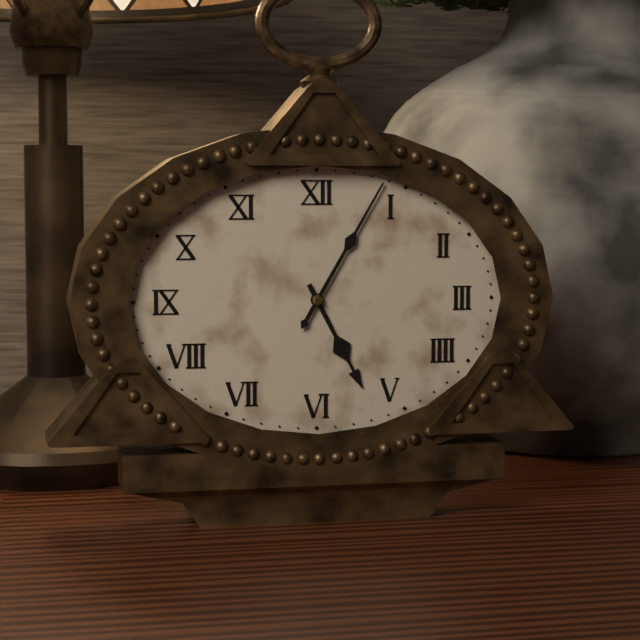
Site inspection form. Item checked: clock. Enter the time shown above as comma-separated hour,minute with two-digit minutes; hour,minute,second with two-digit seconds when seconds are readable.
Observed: 5,05
